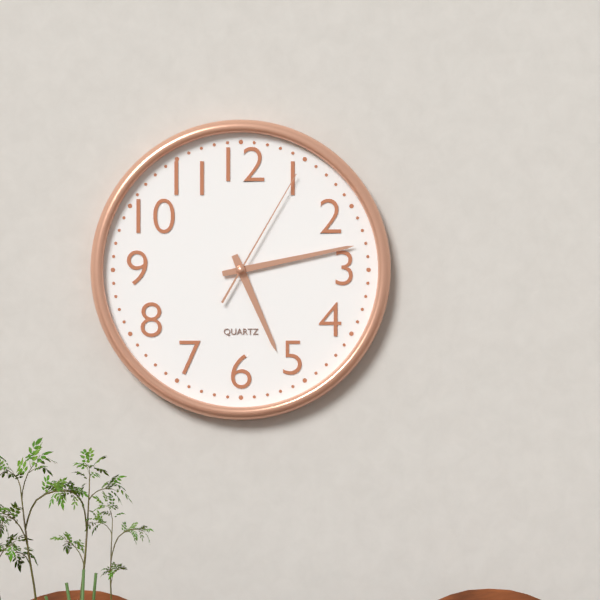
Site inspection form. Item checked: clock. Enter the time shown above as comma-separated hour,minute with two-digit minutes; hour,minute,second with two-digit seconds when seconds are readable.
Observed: 5,13,05
